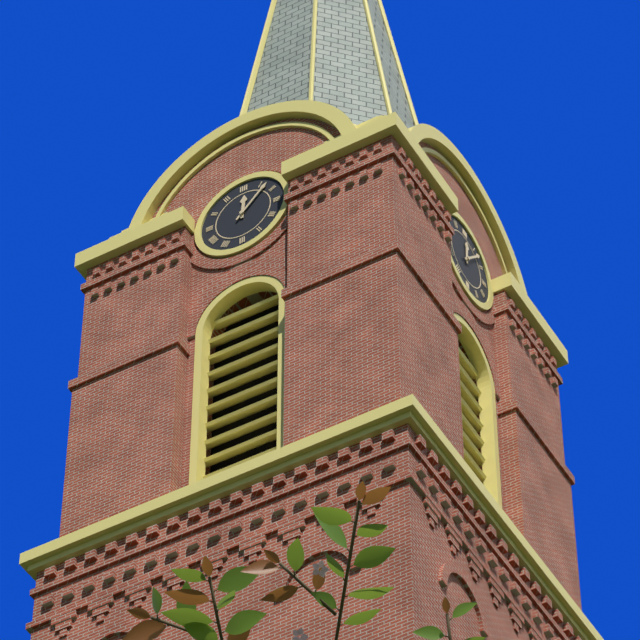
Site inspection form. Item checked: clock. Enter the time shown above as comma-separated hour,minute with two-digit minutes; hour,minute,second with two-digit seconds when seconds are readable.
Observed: 12,07
